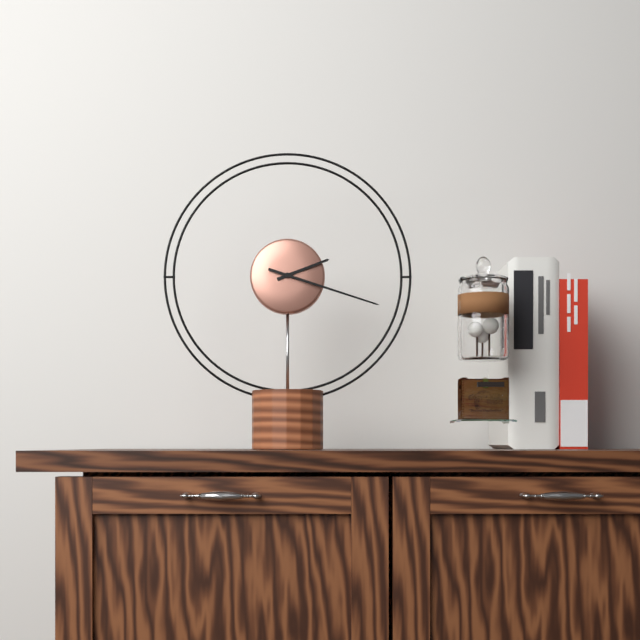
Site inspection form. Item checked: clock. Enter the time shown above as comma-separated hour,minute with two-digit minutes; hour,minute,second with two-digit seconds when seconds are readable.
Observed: 2,18
